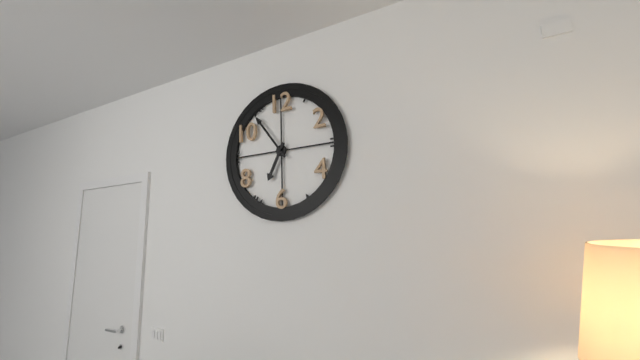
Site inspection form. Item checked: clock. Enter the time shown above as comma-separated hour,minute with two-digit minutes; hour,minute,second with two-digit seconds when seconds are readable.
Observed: 6,54
